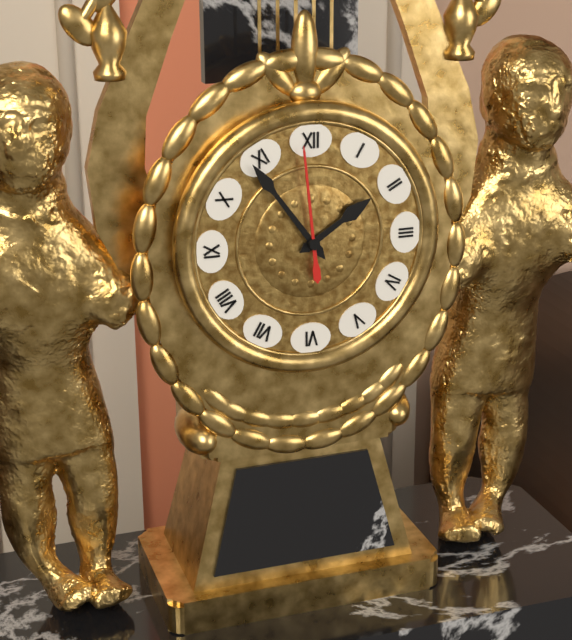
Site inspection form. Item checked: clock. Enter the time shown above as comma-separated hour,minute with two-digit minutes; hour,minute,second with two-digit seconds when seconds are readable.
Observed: 1,54,59
